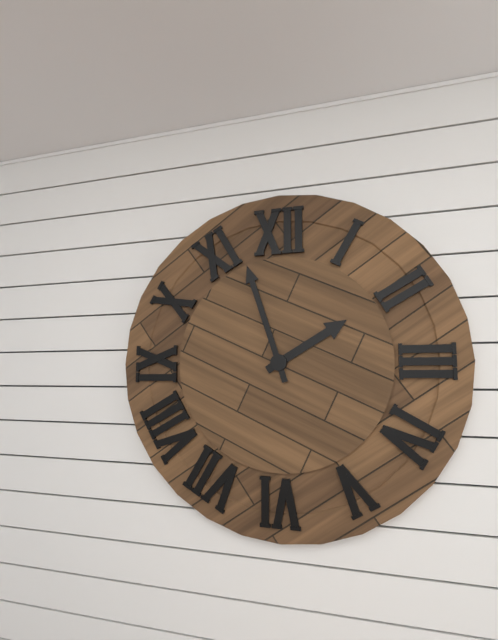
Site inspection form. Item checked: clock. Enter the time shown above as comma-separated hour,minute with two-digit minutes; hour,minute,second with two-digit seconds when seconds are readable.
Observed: 1,57
